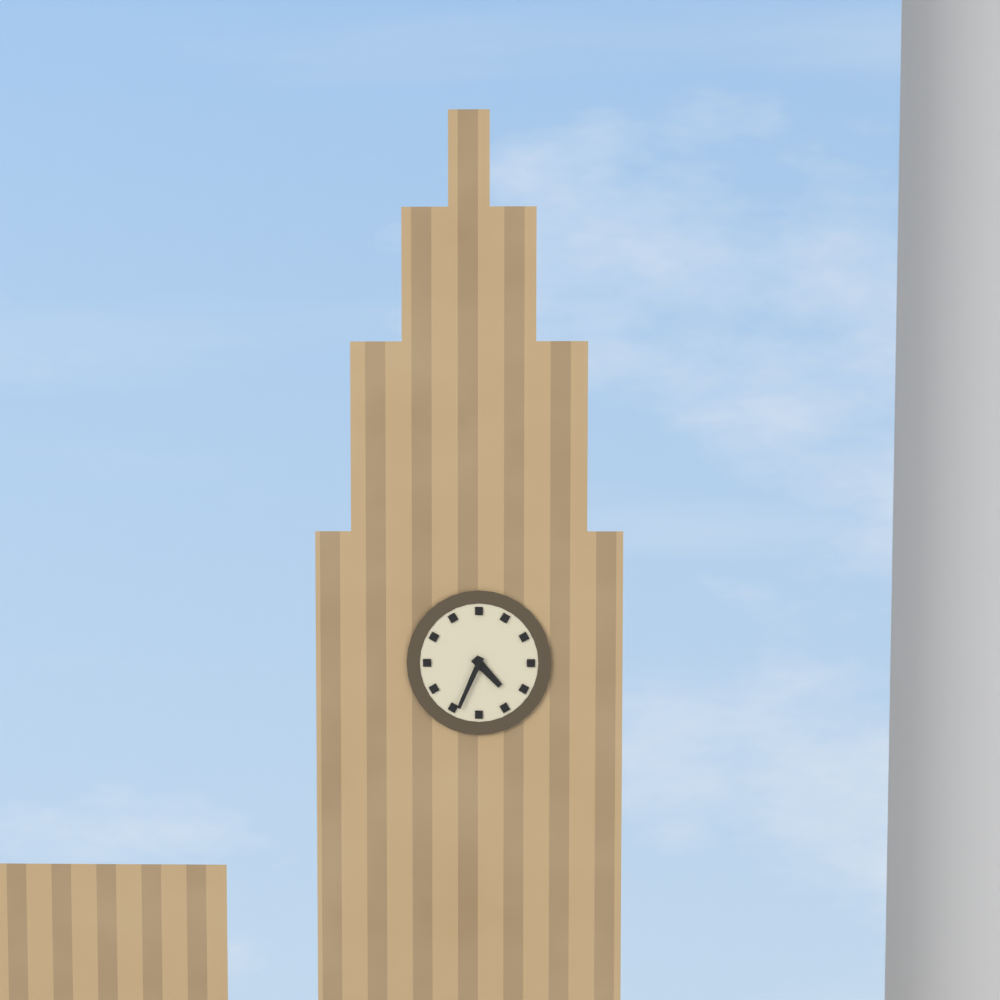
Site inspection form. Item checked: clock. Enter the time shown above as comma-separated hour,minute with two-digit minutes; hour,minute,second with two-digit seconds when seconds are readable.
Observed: 4,34
